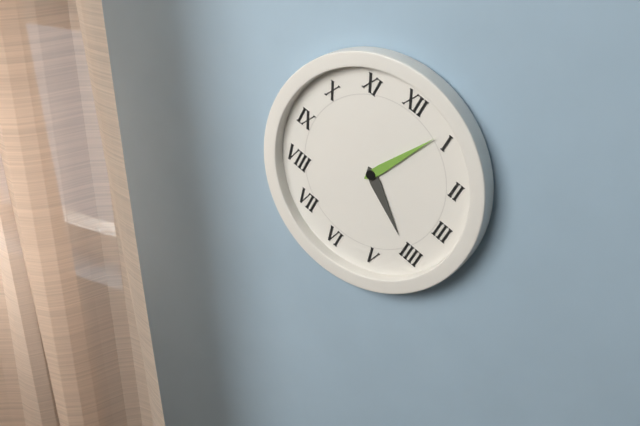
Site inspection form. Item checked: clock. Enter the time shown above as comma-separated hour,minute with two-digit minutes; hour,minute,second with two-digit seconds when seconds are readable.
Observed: 4,04
